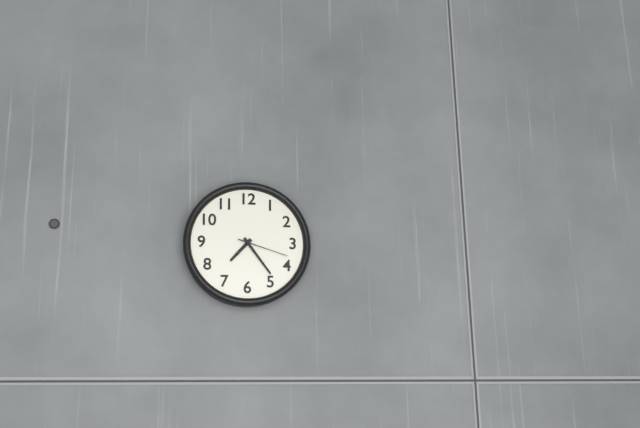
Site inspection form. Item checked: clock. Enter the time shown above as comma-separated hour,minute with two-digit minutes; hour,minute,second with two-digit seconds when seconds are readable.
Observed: 7,24,18
